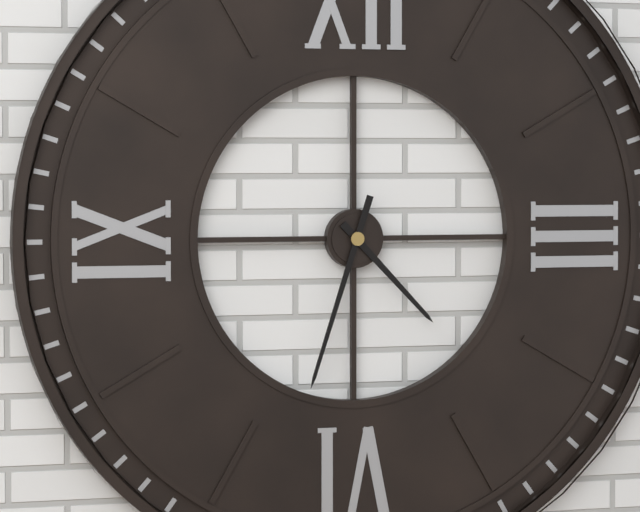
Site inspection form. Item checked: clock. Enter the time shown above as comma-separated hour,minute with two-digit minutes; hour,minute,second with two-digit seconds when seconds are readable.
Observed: 4,33
